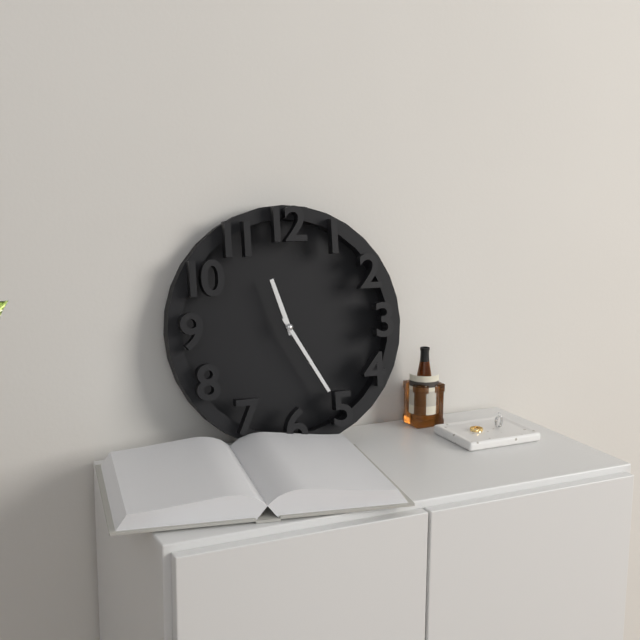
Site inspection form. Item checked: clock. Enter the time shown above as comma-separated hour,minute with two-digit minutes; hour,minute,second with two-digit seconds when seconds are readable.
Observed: 11,25
